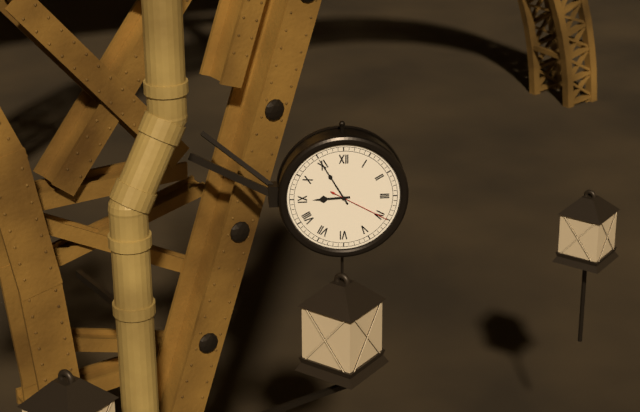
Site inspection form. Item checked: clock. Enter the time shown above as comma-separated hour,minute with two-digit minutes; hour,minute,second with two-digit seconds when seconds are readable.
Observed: 8,55,20
